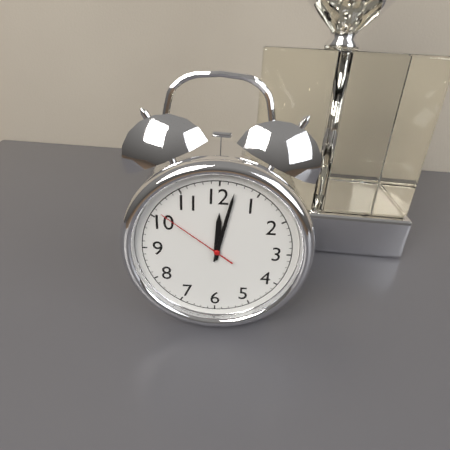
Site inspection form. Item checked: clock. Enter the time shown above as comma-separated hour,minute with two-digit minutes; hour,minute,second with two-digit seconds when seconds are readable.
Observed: 12,02,51
